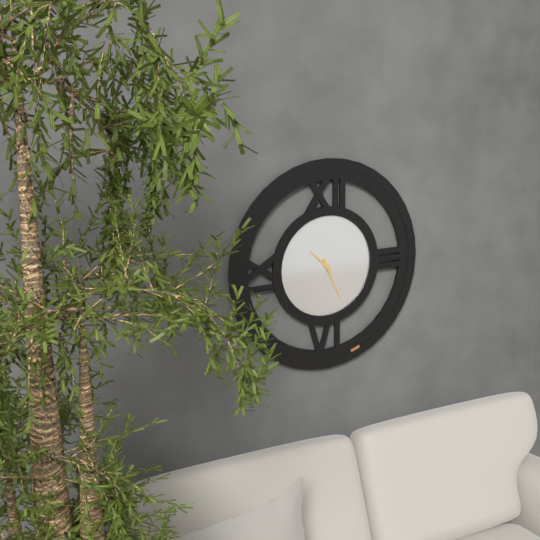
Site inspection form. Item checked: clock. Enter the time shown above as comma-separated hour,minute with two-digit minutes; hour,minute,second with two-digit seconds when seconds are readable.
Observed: 10,26
